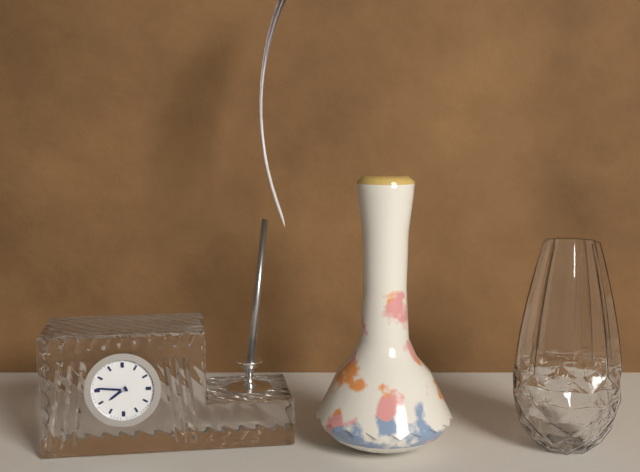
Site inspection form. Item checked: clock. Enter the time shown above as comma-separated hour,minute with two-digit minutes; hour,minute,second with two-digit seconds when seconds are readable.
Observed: 7,46
